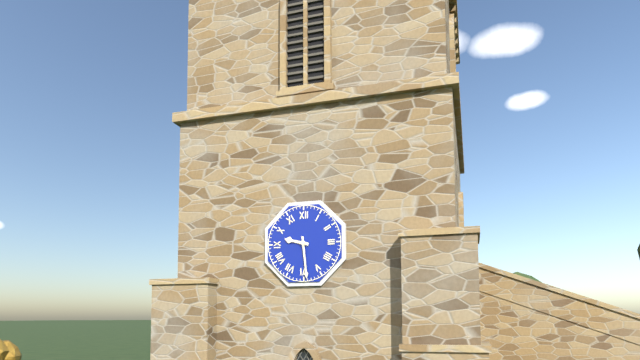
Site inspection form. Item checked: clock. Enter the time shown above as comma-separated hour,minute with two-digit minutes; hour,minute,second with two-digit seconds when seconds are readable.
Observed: 9,29
